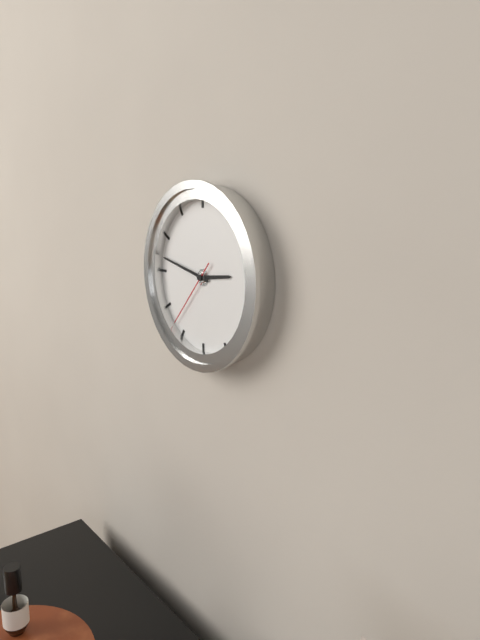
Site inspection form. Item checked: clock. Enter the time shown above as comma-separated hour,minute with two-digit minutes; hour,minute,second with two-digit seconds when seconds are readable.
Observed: 2,47,37
